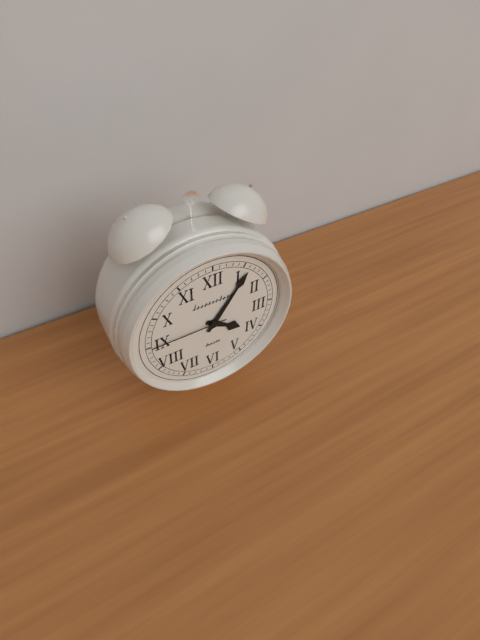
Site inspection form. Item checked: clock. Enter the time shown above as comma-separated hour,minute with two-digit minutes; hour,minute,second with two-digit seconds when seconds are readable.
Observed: 4,06,45
